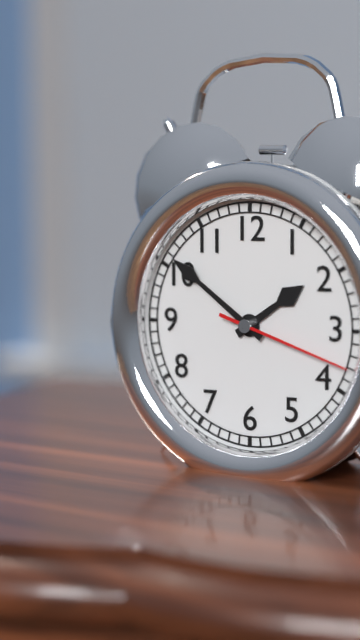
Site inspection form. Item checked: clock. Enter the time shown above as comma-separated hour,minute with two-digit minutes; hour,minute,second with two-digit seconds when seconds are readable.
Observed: 1,51,18
